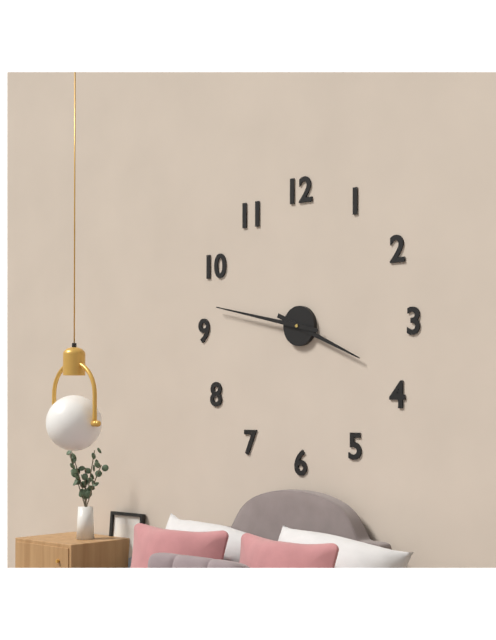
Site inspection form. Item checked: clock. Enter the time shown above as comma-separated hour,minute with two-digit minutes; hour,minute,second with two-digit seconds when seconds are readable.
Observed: 3,47
